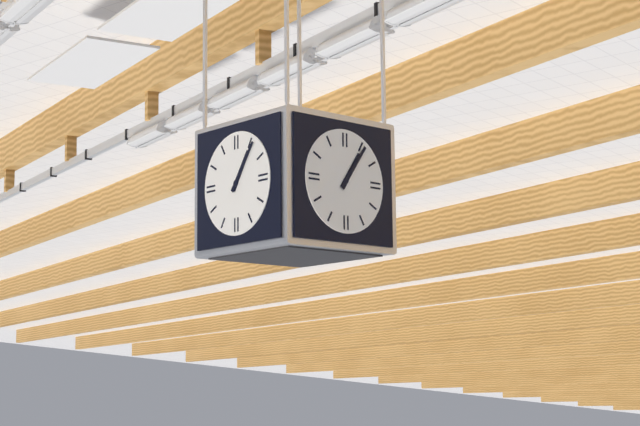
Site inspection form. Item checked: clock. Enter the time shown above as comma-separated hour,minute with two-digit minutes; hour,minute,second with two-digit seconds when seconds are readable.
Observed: 1,06
